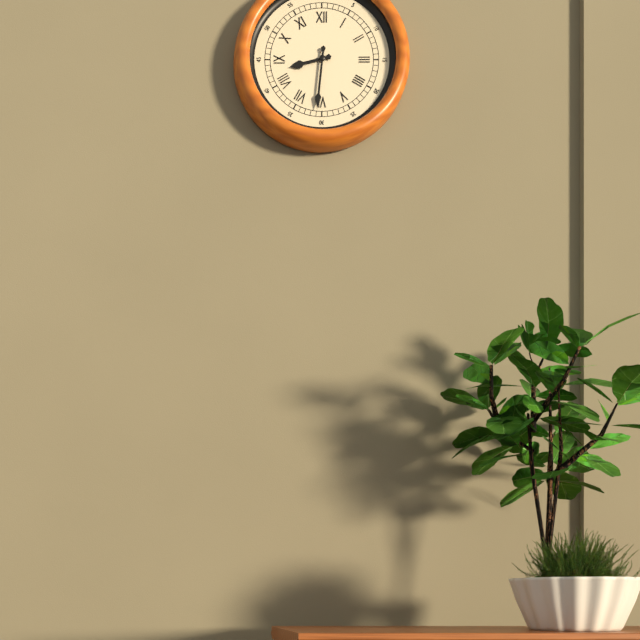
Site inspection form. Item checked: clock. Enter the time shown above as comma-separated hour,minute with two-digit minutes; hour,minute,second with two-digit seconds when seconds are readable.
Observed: 8,31
